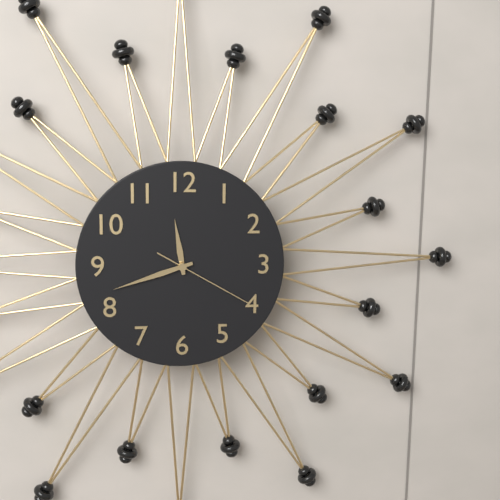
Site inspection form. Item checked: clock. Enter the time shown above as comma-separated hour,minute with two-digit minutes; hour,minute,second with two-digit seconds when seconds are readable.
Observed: 11,42,20
